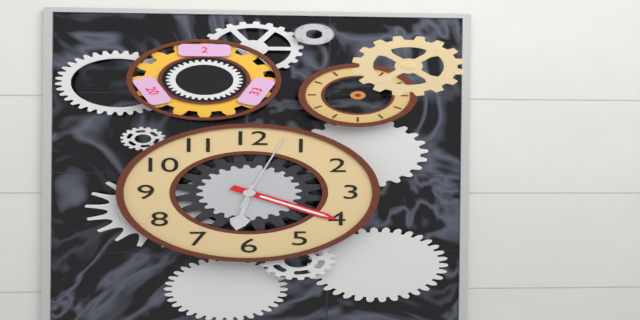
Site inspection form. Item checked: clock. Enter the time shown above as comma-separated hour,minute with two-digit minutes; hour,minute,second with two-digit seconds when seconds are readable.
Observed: 6,20,03
